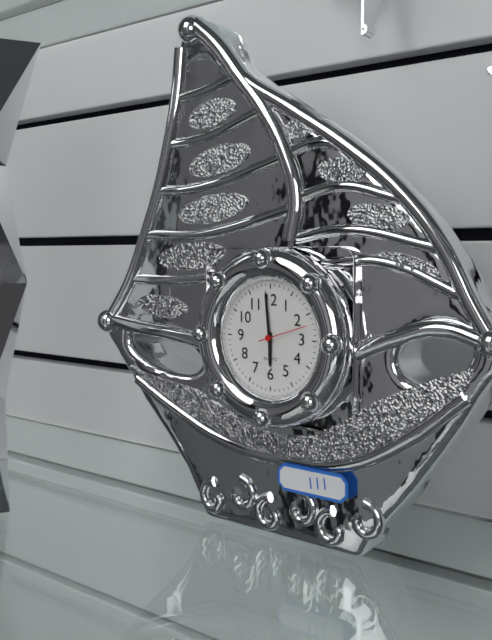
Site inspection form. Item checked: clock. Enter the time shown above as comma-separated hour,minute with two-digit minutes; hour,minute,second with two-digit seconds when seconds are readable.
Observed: 5,59,12
